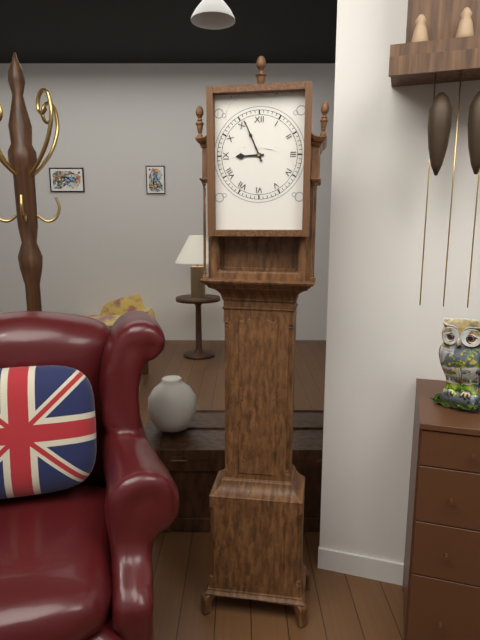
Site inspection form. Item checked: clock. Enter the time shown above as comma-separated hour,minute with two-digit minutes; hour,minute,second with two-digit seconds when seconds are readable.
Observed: 8,56
